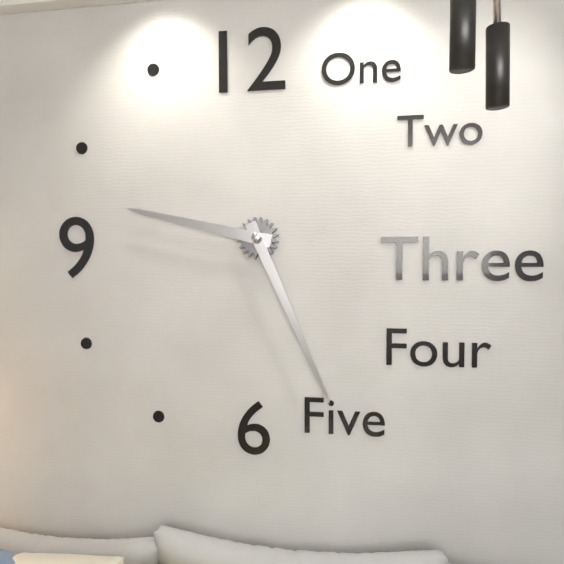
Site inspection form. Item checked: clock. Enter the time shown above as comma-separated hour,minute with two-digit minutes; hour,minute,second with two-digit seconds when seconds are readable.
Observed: 9,26
